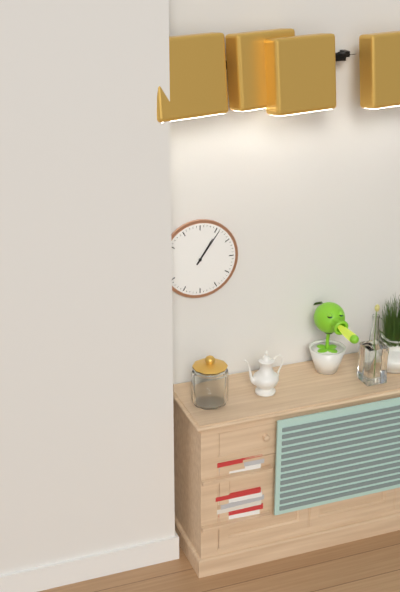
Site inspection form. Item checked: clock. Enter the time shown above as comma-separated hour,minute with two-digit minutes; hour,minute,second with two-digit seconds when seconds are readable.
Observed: 1,06
